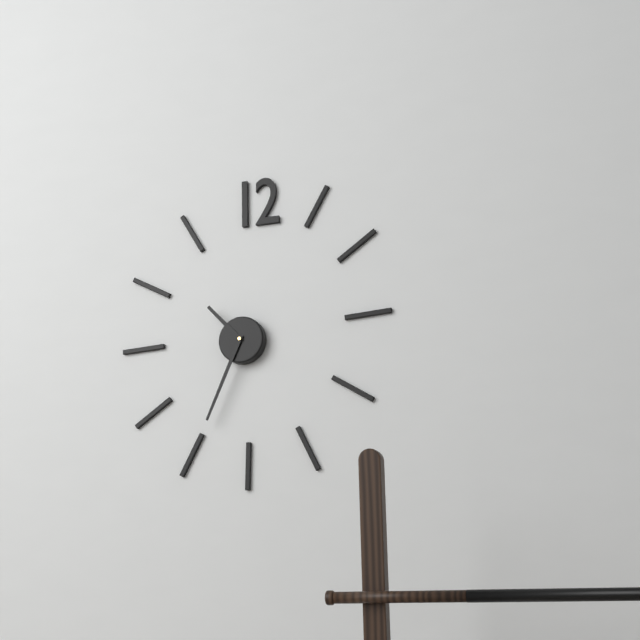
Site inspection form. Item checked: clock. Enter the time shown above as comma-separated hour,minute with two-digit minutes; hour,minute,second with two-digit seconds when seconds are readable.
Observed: 10,34
